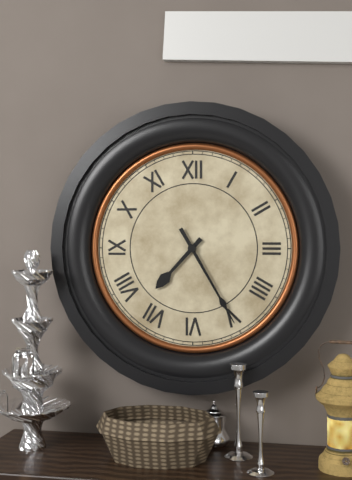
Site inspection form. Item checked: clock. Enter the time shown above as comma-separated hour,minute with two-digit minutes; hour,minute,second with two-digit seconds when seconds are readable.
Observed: 7,25
